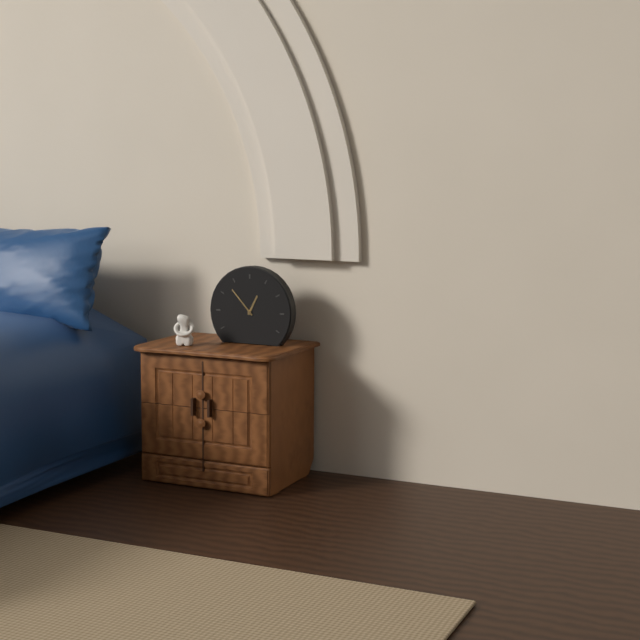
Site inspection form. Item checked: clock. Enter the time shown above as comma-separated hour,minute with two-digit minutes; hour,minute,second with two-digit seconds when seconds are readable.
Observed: 12,53
